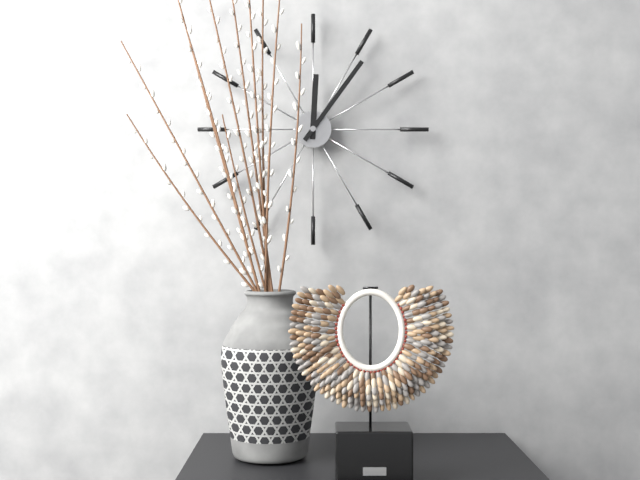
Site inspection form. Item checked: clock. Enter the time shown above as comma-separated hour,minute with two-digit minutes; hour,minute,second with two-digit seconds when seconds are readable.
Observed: 12,06
